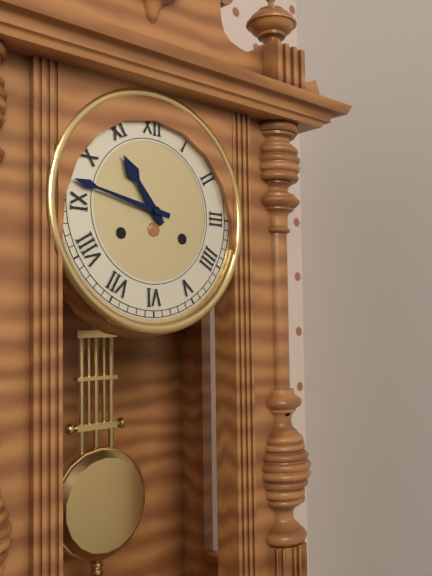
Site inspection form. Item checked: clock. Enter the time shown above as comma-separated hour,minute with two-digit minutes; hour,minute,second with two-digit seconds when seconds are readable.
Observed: 10,47
